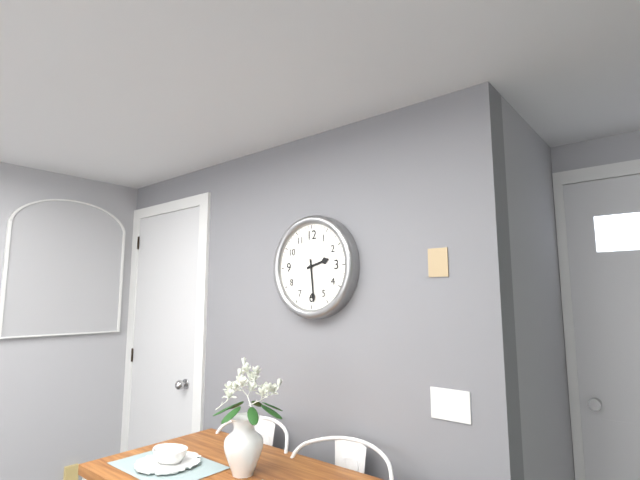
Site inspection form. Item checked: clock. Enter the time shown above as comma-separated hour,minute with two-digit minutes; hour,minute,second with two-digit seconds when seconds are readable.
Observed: 2,29
